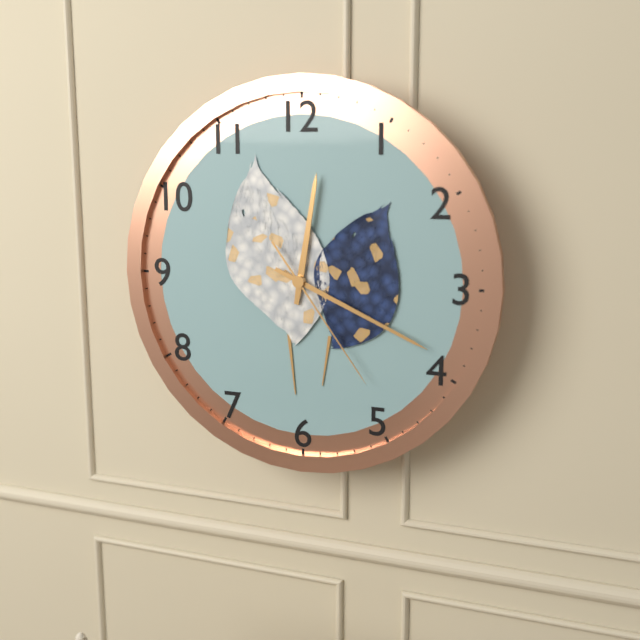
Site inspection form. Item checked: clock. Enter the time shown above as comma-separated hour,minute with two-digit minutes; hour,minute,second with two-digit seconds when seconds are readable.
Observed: 12,19,24
